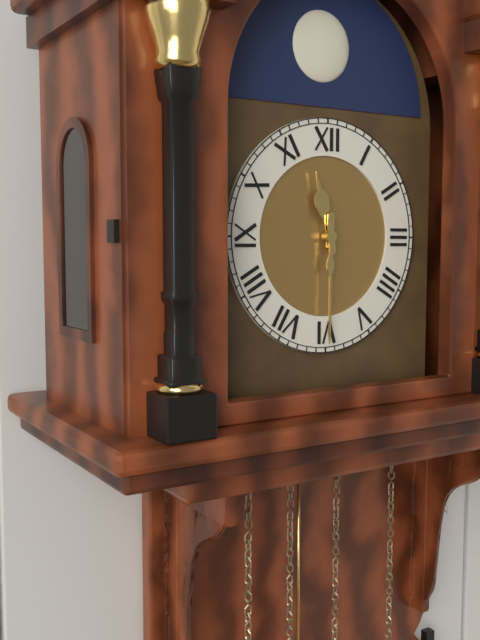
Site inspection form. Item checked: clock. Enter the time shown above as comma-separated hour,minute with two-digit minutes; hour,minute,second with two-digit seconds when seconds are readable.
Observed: 11,30
